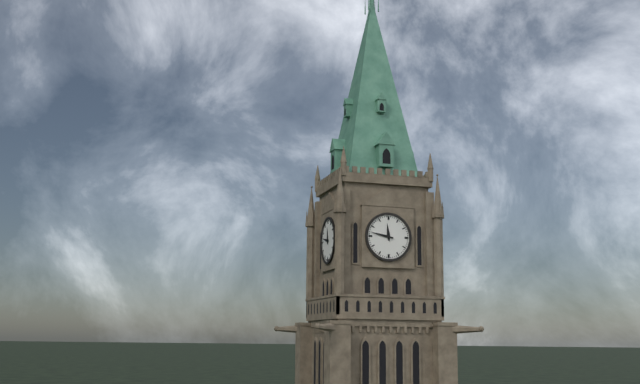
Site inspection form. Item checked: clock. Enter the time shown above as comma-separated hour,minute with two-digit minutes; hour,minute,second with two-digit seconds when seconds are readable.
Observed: 11,47
